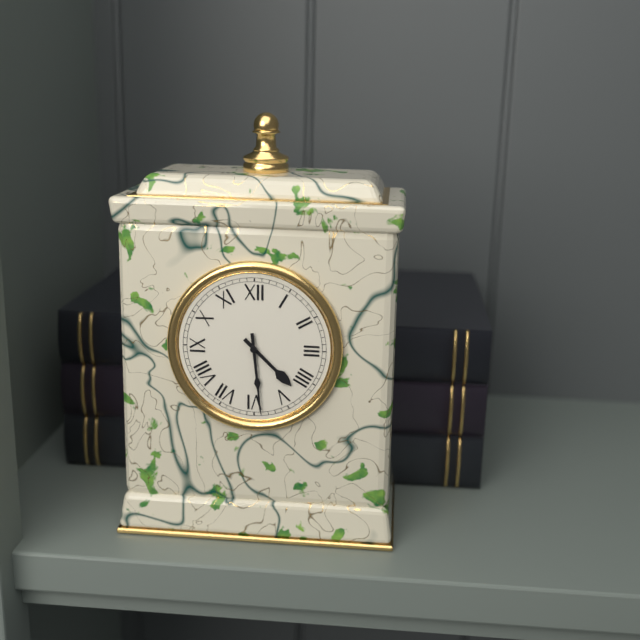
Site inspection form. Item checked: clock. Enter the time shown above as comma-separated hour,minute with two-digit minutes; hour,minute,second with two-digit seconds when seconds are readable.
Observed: 4,29
